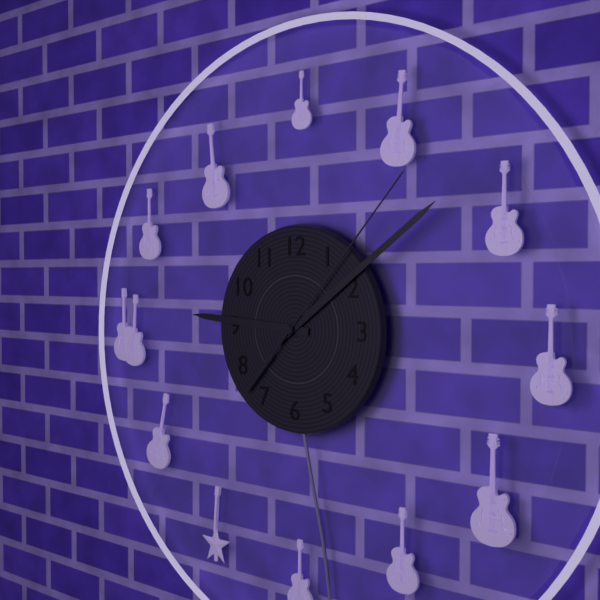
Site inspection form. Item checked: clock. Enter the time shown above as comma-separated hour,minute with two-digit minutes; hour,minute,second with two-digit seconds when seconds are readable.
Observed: 9,09,07
